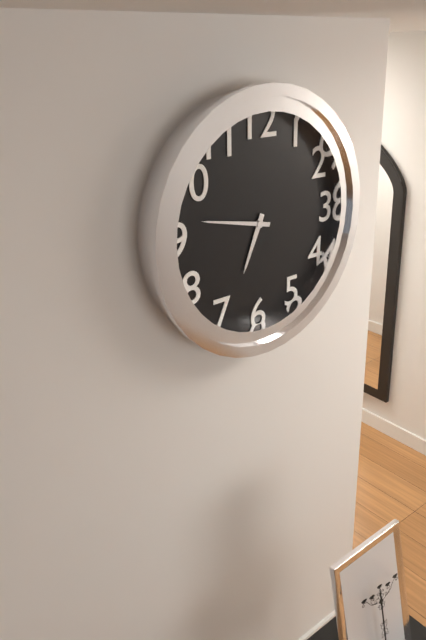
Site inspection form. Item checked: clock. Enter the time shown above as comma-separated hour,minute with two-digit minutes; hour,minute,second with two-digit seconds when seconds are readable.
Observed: 6,47
